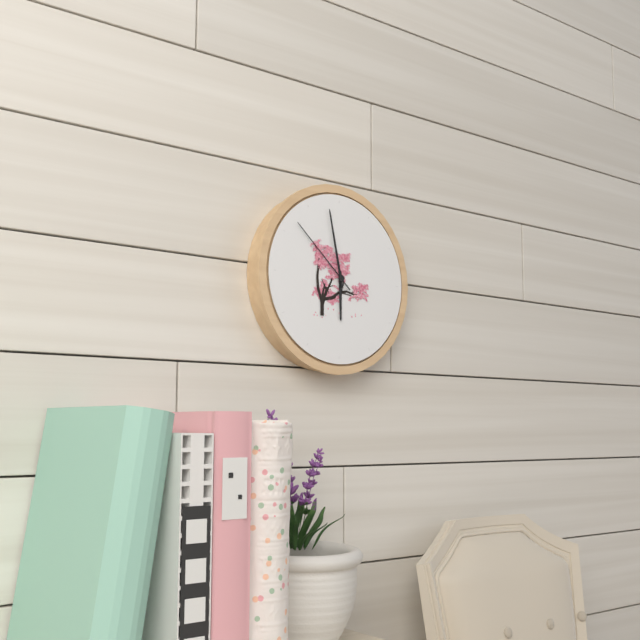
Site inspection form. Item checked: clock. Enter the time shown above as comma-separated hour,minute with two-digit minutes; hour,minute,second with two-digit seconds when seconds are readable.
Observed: 5,58,52
